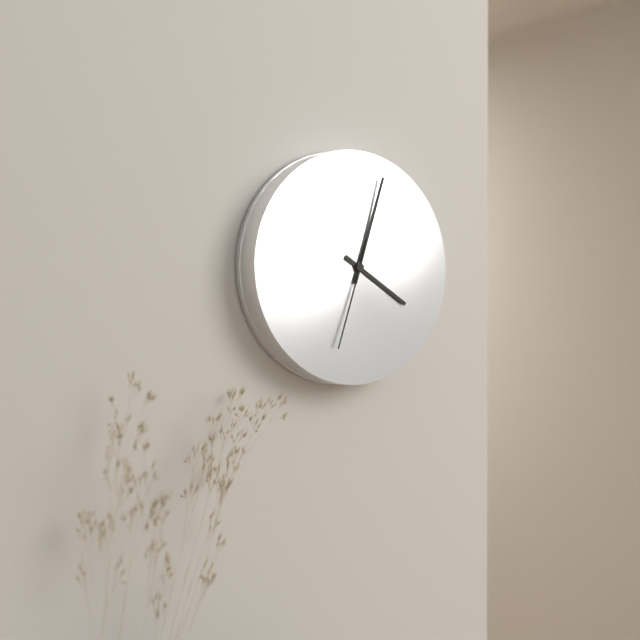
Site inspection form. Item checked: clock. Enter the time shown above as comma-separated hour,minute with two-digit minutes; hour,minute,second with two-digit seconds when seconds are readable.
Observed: 4,03,33
